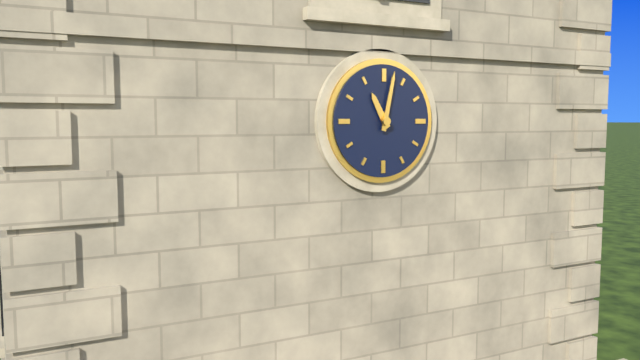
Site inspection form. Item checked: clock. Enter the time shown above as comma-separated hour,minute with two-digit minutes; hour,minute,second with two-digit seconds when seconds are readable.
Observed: 11,02
